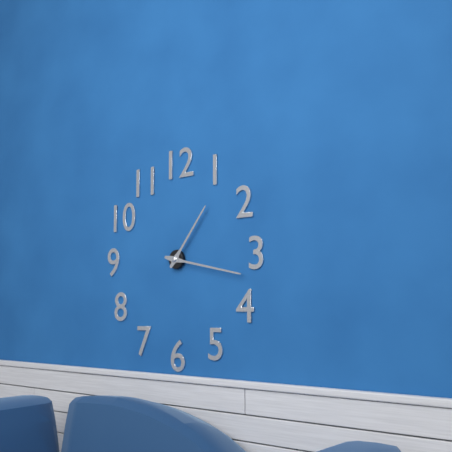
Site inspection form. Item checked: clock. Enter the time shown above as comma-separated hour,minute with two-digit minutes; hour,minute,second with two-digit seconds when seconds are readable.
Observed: 1,17
